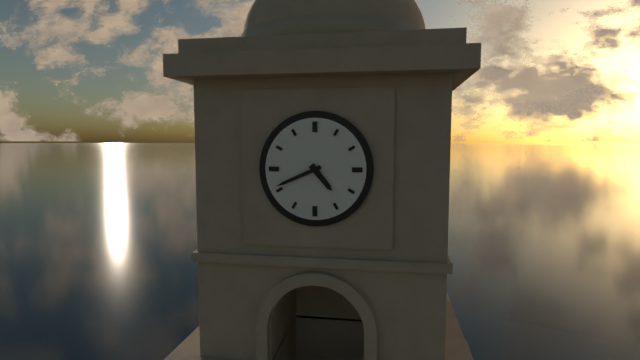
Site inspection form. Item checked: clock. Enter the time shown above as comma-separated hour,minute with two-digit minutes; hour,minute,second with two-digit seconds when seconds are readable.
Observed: 4,41
